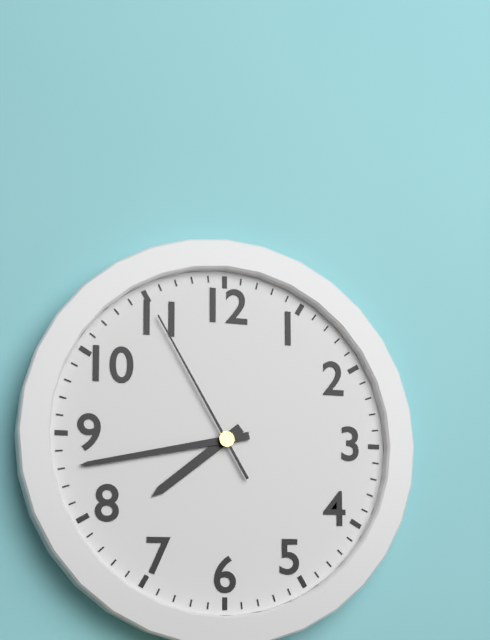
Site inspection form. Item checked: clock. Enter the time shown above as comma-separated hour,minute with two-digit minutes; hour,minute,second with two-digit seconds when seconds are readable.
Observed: 7,43,55
